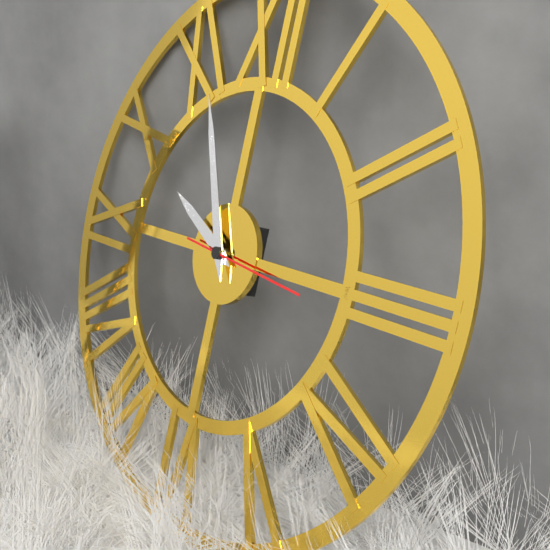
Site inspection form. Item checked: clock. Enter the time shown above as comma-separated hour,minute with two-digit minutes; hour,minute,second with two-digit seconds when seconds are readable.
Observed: 9,56,16
